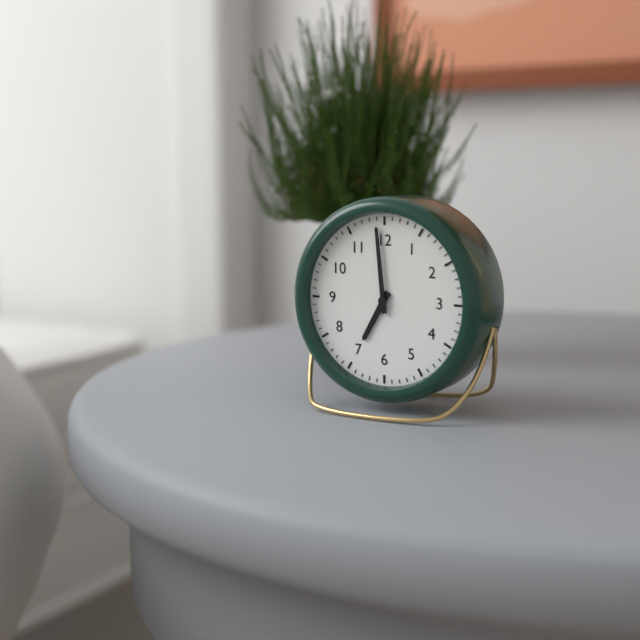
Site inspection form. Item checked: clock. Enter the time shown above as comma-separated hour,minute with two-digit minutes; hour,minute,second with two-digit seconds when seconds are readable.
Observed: 6,59
